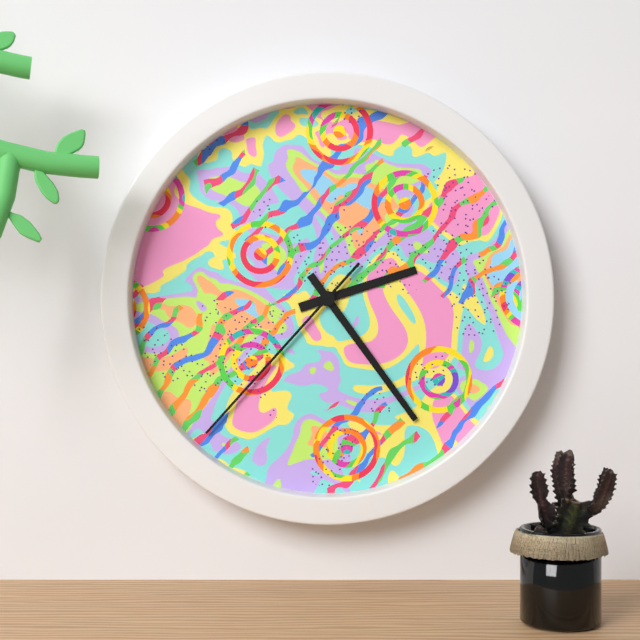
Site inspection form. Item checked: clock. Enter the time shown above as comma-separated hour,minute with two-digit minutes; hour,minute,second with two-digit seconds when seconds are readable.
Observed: 2,24,37
